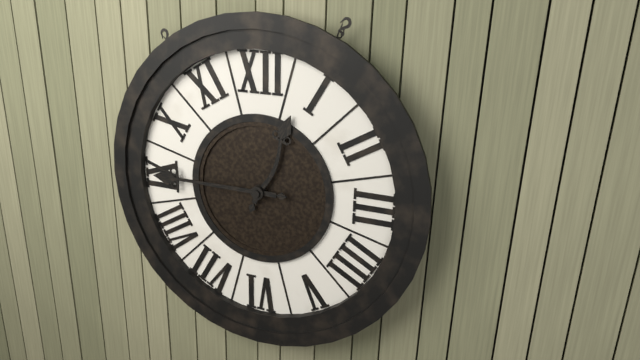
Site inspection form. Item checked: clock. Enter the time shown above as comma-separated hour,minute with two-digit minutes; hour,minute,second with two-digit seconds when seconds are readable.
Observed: 12,45
